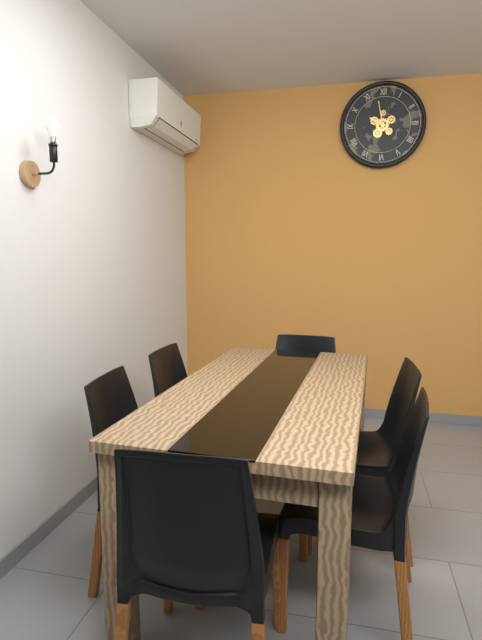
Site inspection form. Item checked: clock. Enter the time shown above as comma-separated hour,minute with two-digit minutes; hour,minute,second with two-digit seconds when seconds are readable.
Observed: 9,58
